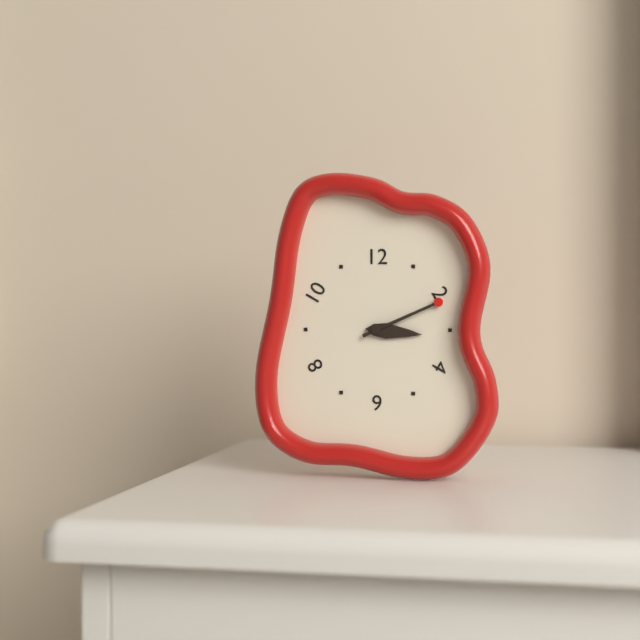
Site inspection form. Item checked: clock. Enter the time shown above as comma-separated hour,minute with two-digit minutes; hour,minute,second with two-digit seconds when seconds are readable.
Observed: 3,11
